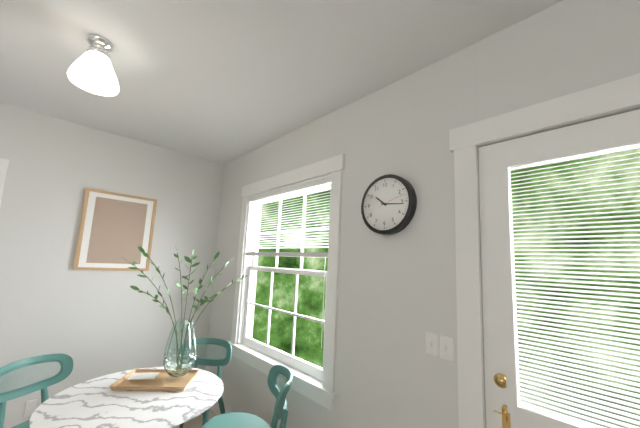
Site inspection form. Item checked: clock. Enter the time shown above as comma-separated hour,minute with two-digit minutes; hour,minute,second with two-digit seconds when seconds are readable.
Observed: 10,16
